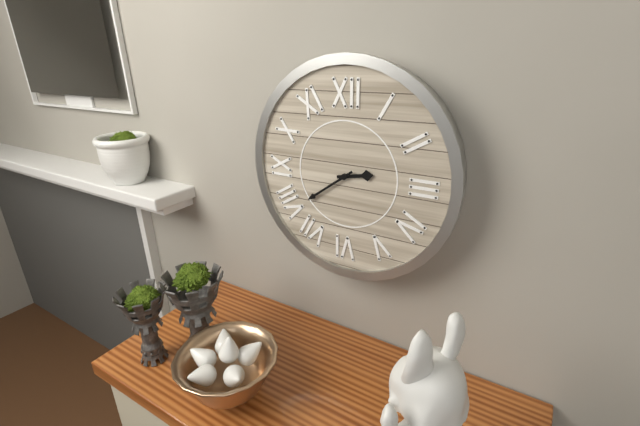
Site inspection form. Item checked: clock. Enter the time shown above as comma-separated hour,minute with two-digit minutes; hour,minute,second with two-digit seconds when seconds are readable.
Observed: 2,39
